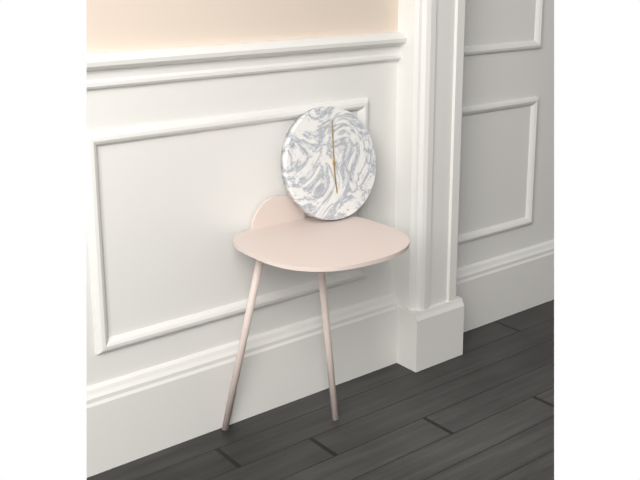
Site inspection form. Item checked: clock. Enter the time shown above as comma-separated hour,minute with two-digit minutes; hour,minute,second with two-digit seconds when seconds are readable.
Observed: 6,01
